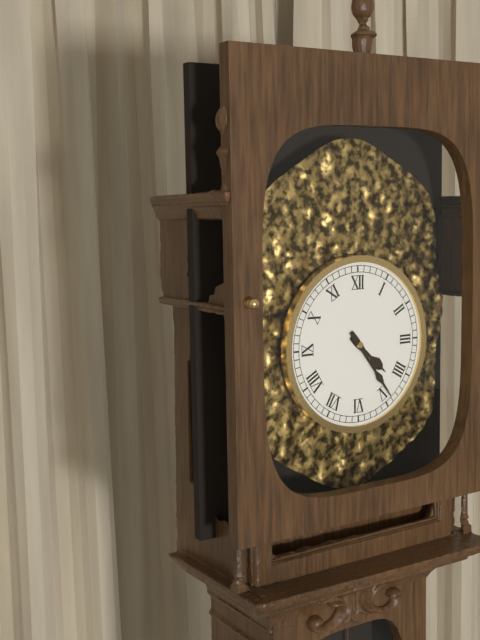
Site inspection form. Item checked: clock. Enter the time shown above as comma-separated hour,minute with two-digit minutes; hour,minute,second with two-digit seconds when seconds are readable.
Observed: 4,24
